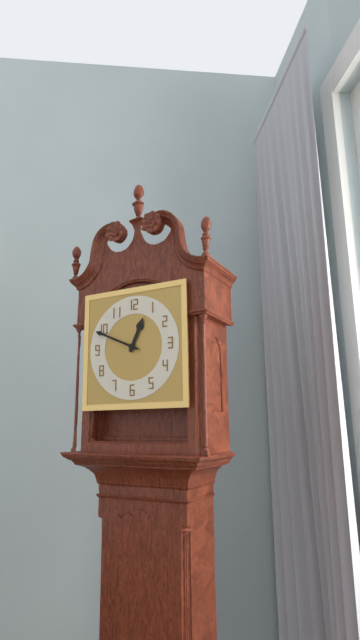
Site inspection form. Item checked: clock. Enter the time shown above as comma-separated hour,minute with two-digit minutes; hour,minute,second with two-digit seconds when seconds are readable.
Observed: 12,49
